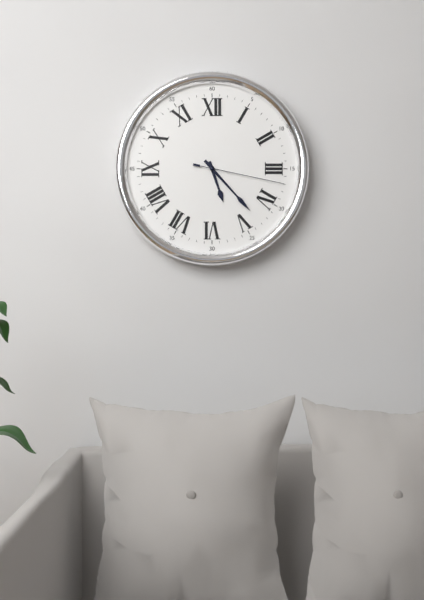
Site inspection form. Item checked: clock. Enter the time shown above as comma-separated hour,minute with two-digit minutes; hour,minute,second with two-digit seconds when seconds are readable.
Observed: 5,23,17
